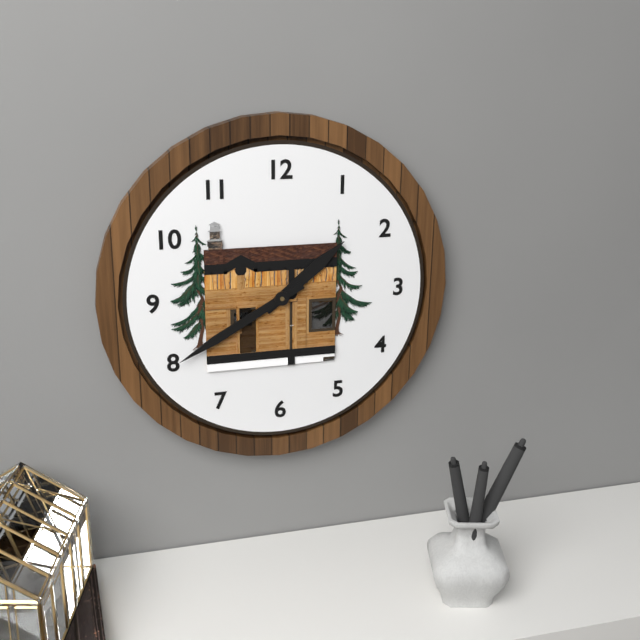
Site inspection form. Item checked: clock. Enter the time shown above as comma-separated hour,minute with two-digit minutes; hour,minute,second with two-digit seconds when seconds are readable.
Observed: 1,40
